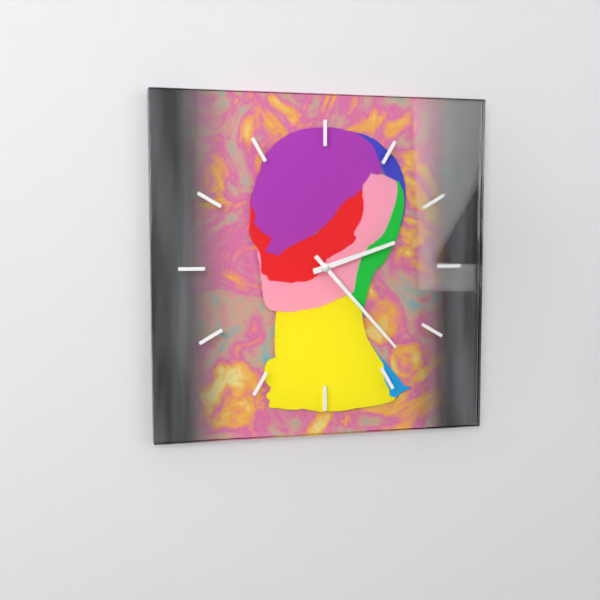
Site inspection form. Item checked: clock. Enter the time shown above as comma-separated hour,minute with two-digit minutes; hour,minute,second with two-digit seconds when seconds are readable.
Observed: 2,23
